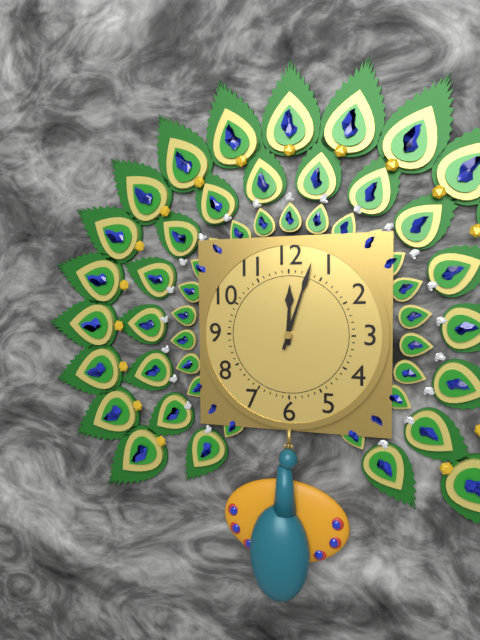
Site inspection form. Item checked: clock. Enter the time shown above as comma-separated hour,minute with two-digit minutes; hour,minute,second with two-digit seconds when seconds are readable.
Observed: 12,03
